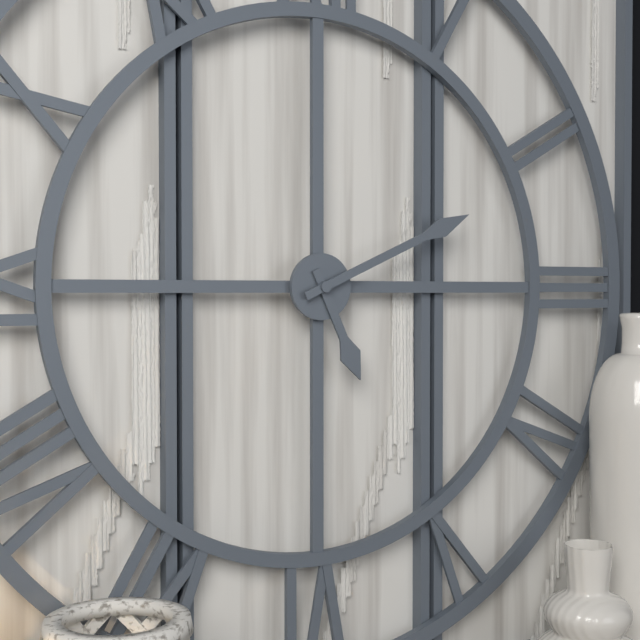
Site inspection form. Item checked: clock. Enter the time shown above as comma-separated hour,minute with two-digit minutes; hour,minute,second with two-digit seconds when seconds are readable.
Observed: 5,11
